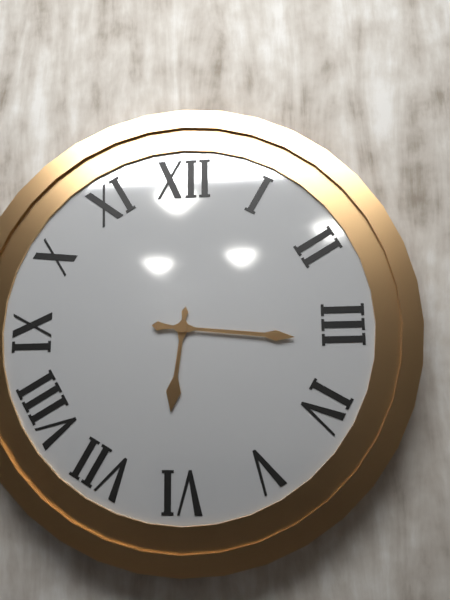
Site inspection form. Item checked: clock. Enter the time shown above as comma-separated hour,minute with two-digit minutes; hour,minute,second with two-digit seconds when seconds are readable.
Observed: 6,16
